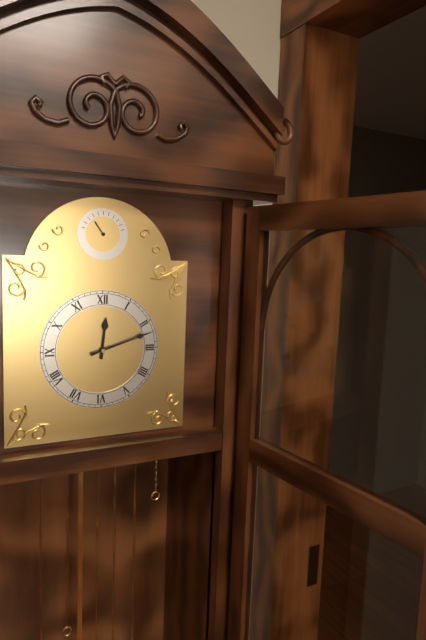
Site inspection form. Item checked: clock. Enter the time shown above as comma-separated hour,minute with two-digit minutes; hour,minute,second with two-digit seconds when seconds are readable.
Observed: 12,12
